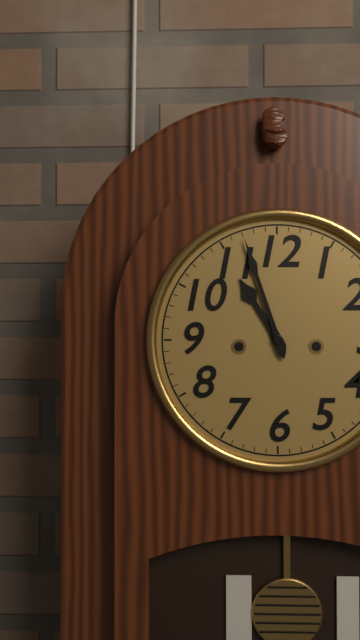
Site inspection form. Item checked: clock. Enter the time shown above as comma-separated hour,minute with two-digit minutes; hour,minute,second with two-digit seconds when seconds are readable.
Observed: 10,57
